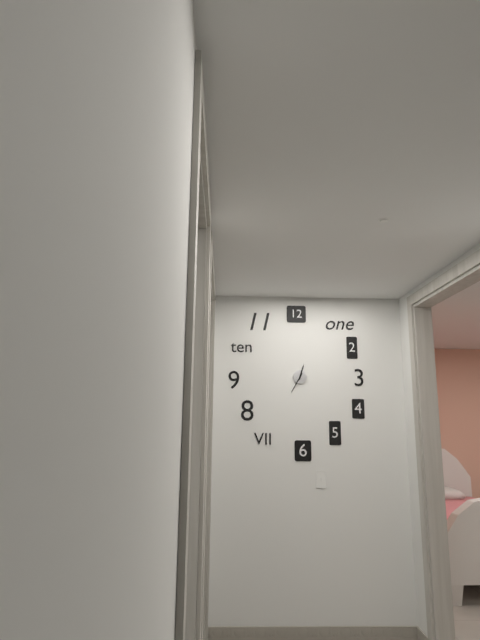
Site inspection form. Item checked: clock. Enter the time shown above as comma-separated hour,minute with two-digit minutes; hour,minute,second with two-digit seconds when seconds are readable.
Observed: 12,35
